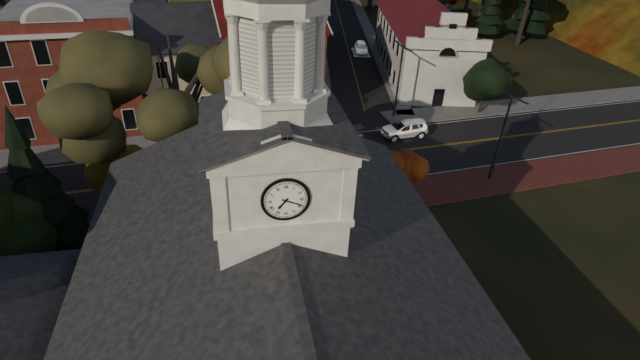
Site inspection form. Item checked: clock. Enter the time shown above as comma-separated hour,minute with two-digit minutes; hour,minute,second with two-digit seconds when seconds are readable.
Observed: 7,19
